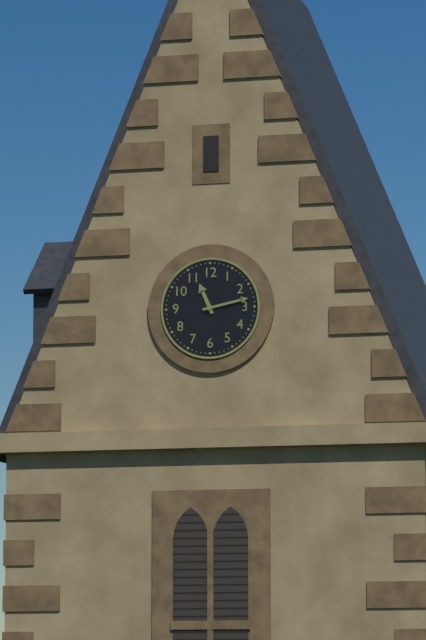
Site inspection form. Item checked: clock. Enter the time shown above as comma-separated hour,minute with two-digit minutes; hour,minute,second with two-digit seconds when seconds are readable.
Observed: 11,13
